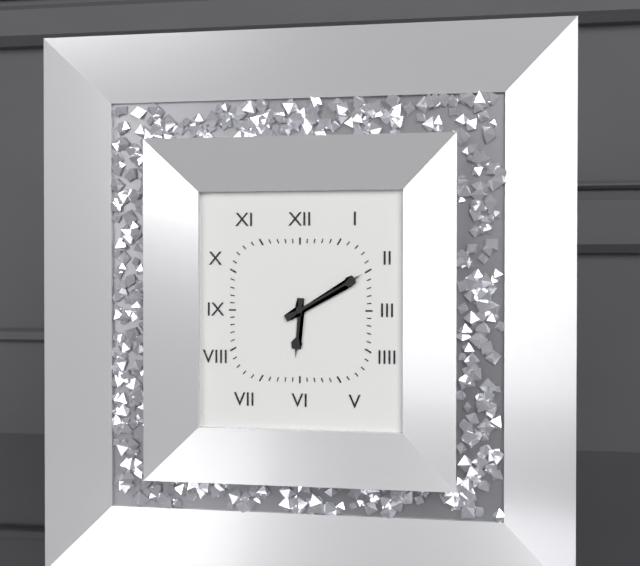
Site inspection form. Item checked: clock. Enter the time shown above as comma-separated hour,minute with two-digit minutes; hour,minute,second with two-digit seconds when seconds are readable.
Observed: 6,10
